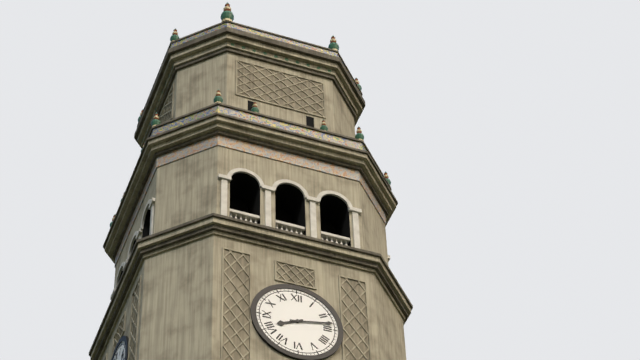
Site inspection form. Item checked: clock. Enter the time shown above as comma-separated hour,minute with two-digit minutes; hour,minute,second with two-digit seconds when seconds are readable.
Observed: 8,13
